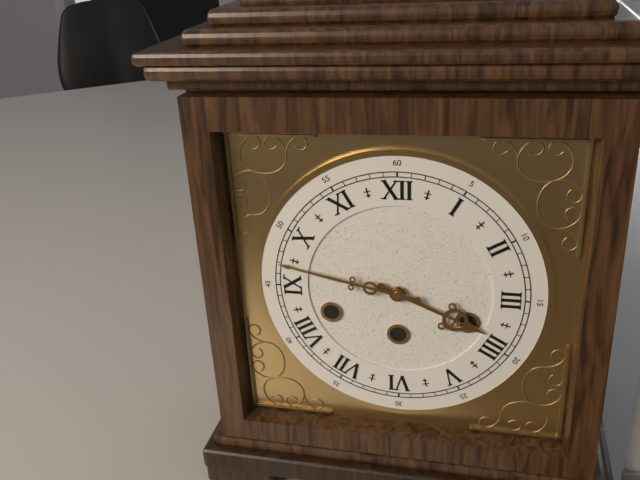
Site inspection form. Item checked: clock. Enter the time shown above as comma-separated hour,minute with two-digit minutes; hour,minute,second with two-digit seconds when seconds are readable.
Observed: 3,47
